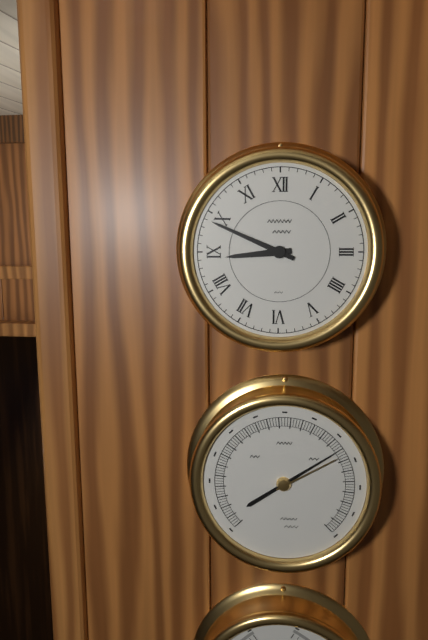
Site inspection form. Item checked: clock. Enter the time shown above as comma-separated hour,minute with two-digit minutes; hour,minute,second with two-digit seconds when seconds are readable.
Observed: 8,49
